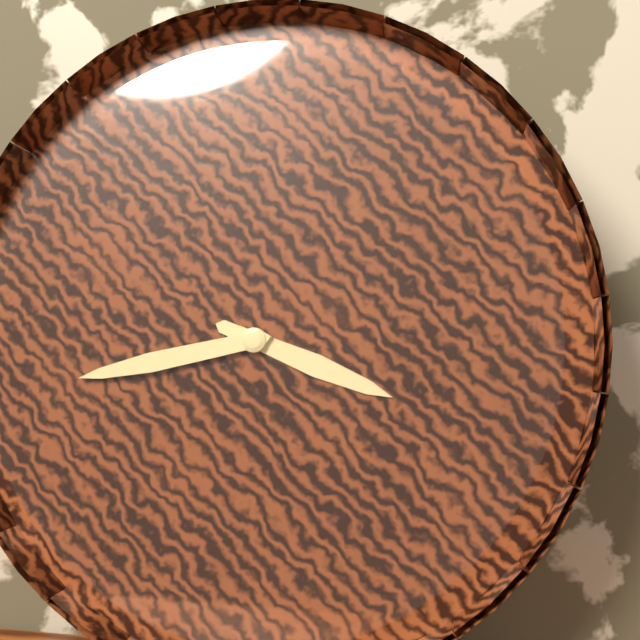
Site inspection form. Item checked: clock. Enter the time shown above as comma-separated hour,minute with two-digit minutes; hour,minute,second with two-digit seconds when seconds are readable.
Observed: 3,43
